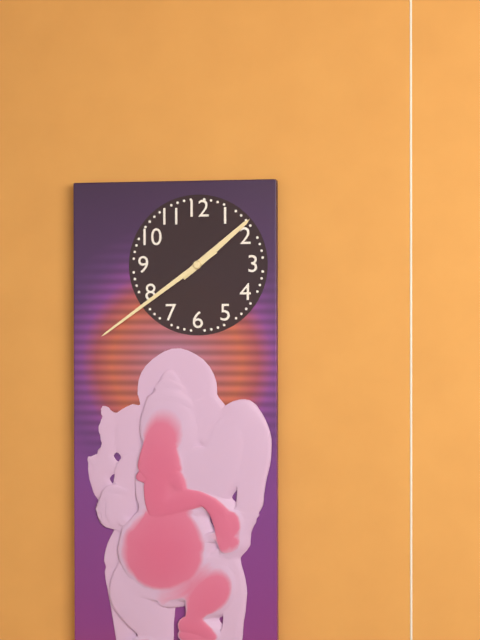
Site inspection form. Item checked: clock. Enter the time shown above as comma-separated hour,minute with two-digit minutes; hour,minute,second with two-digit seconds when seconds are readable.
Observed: 1,39
